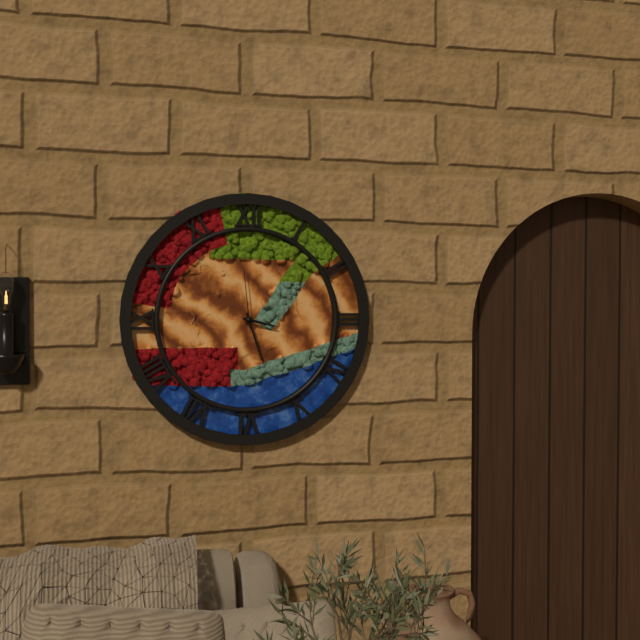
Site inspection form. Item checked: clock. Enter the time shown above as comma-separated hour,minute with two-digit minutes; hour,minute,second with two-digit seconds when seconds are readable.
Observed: 3,27,59
